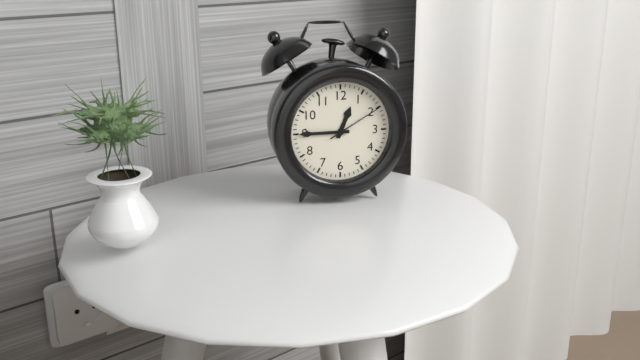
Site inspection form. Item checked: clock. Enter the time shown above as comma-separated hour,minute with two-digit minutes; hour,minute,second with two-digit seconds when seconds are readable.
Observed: 12,45,10
